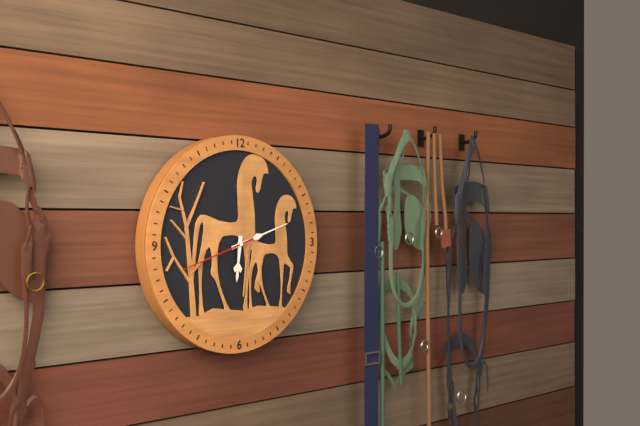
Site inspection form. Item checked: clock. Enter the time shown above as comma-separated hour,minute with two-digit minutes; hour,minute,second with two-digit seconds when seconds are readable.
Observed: 6,12,42
